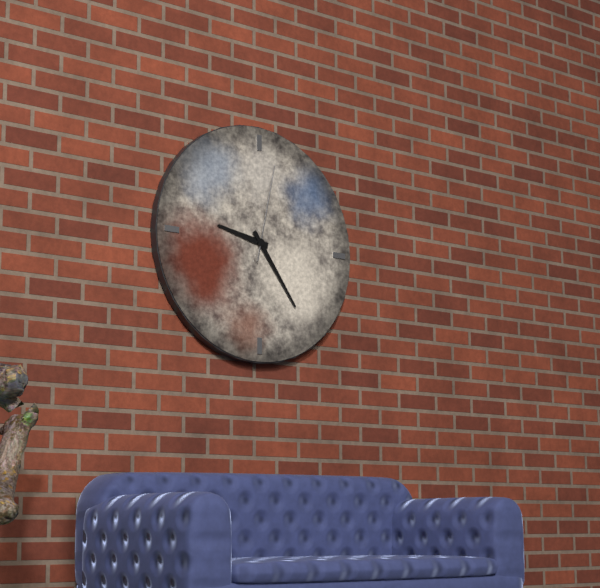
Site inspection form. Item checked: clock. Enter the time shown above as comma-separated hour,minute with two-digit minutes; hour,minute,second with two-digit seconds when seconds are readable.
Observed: 9,24,02
